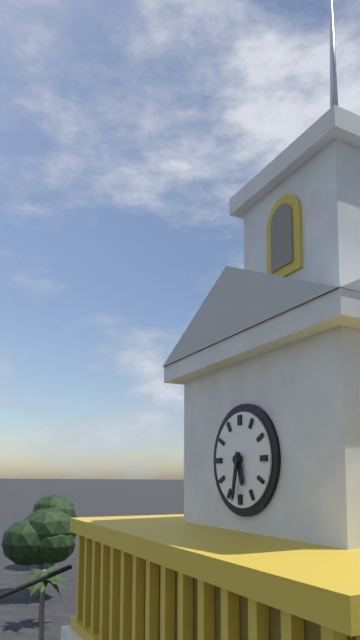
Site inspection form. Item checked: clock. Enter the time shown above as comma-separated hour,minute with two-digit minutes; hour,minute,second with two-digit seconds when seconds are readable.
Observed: 5,32
